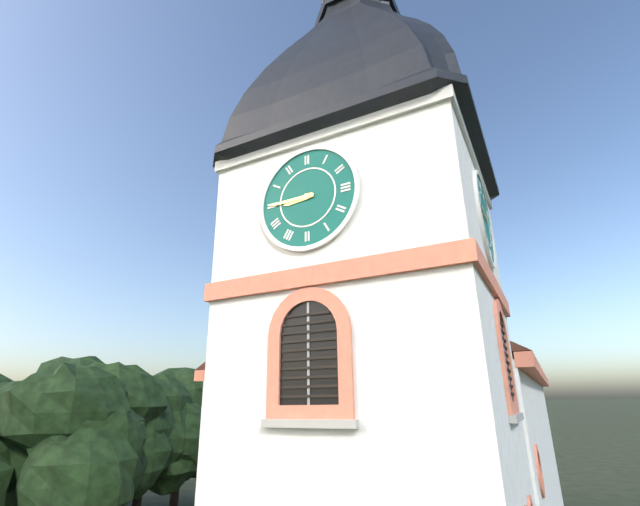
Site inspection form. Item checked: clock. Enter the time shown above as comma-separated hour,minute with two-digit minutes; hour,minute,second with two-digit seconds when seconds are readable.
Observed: 8,45
